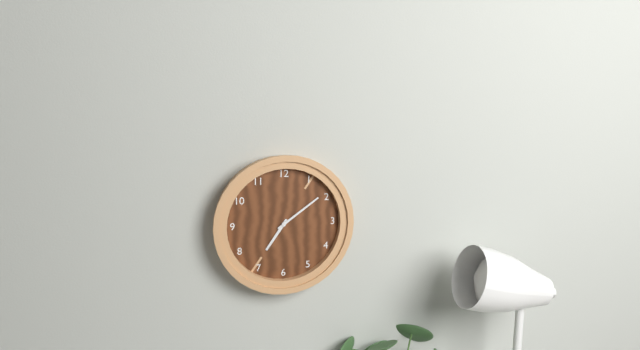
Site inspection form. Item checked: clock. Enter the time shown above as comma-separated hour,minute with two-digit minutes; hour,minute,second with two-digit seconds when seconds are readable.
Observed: 7,09
